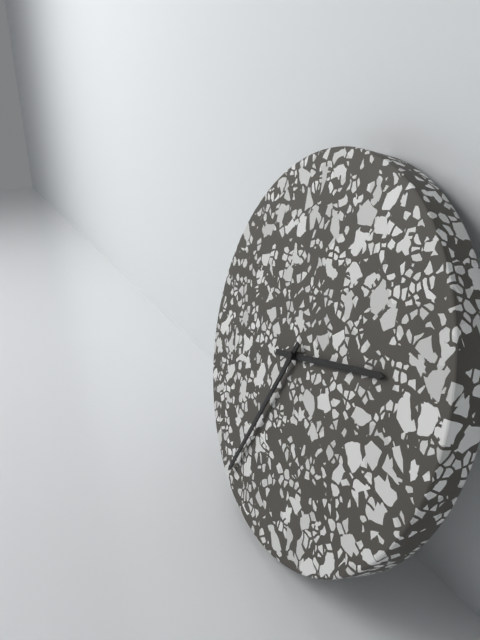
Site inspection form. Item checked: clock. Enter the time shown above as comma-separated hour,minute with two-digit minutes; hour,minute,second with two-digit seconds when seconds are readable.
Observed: 2,34
